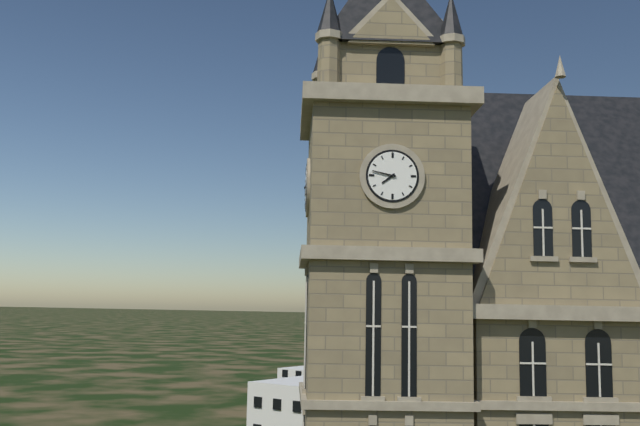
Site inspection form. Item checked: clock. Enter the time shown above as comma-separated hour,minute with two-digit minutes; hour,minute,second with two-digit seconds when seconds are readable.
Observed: 7,47
